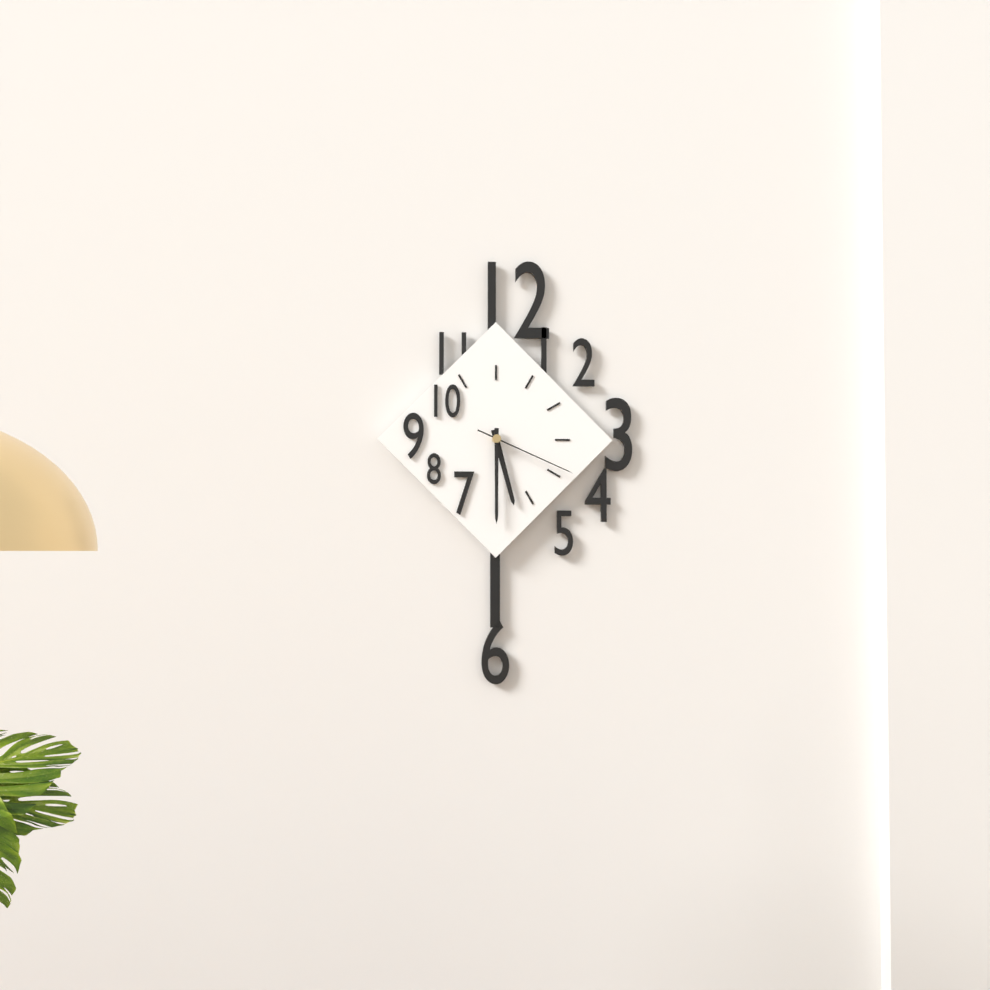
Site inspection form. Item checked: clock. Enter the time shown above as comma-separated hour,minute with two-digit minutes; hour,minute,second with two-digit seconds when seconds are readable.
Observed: 5,30,19
